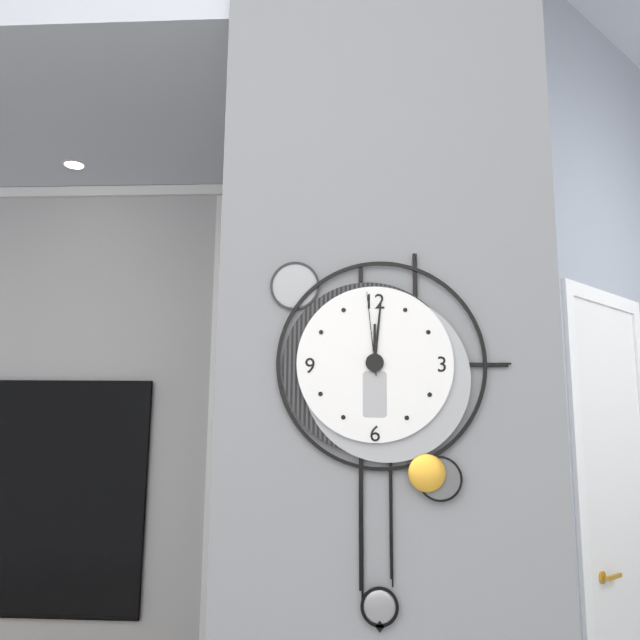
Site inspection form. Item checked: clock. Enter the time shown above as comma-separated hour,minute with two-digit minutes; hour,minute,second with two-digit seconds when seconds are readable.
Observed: 12,01,59
